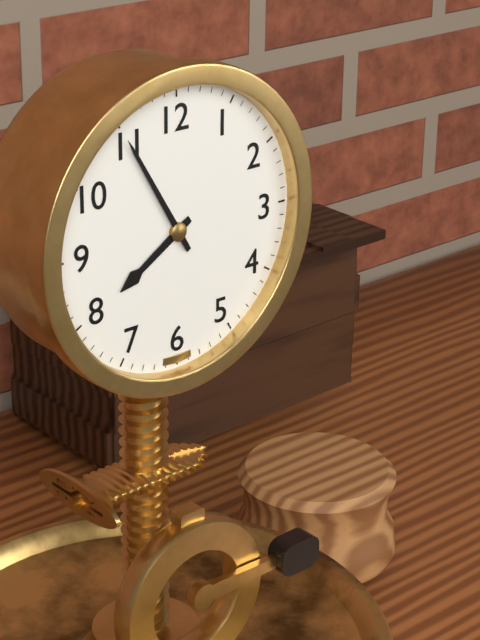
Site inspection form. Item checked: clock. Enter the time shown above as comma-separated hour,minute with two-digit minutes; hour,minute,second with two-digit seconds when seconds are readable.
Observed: 7,55
